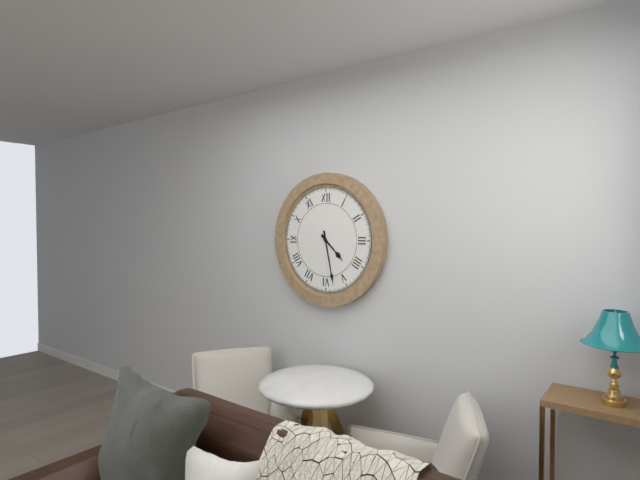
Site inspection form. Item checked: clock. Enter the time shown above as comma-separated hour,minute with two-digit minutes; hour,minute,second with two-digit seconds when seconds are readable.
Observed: 4,28
